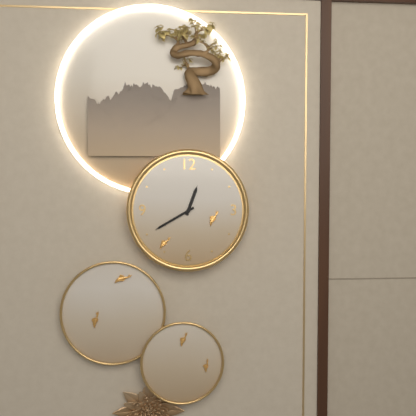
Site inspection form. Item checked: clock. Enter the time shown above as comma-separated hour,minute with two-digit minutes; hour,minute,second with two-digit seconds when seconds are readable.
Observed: 12,40
